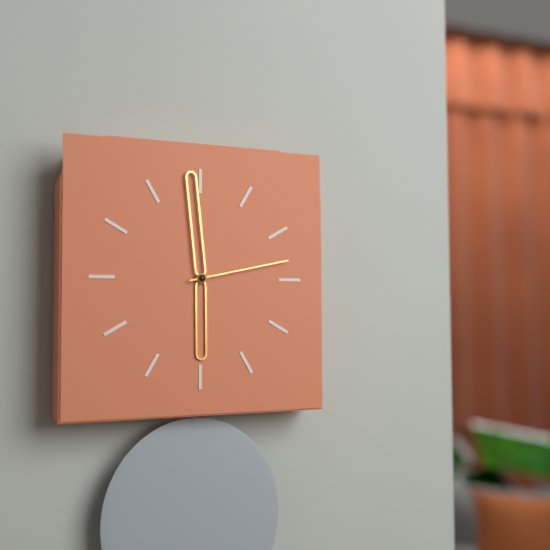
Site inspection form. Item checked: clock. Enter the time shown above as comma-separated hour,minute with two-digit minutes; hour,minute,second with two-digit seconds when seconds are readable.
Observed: 5,59,13
